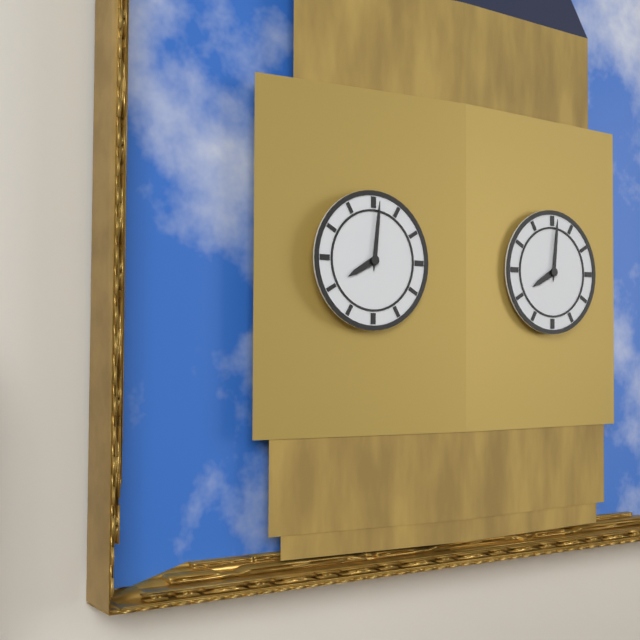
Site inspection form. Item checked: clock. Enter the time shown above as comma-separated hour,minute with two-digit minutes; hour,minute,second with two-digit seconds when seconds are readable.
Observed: 8,01
